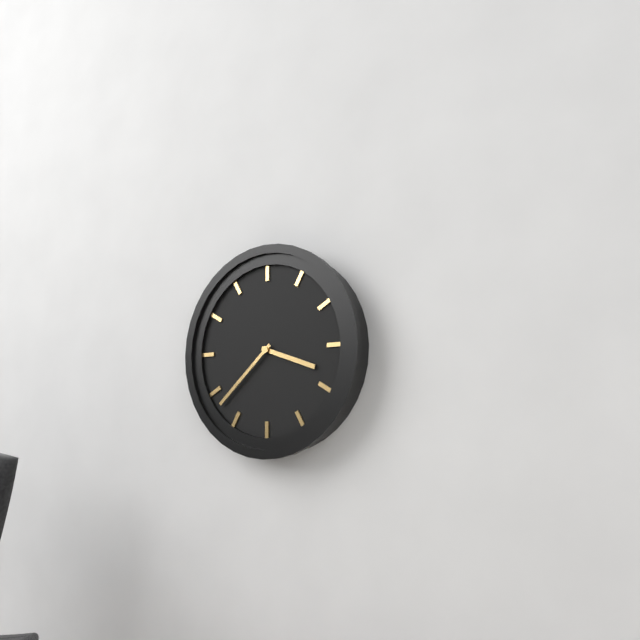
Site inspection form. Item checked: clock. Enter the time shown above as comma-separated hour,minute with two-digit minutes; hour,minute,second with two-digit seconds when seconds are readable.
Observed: 3,38
